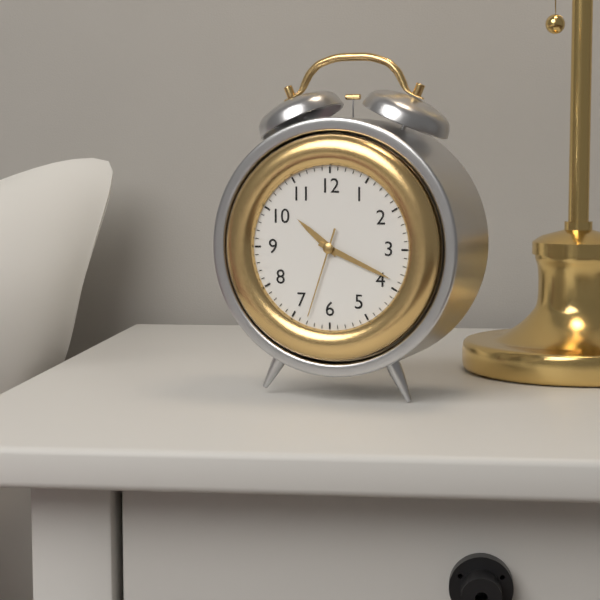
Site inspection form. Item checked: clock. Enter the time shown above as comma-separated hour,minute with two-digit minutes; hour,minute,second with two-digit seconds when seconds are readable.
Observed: 10,19,33
